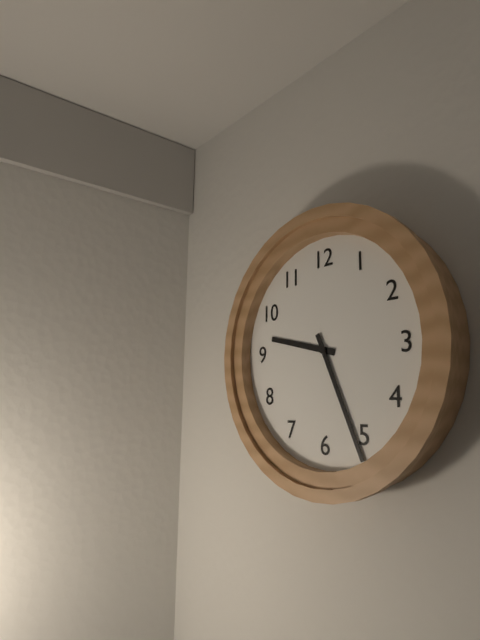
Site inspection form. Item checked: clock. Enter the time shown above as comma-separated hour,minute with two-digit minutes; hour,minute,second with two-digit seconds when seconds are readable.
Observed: 9,26
